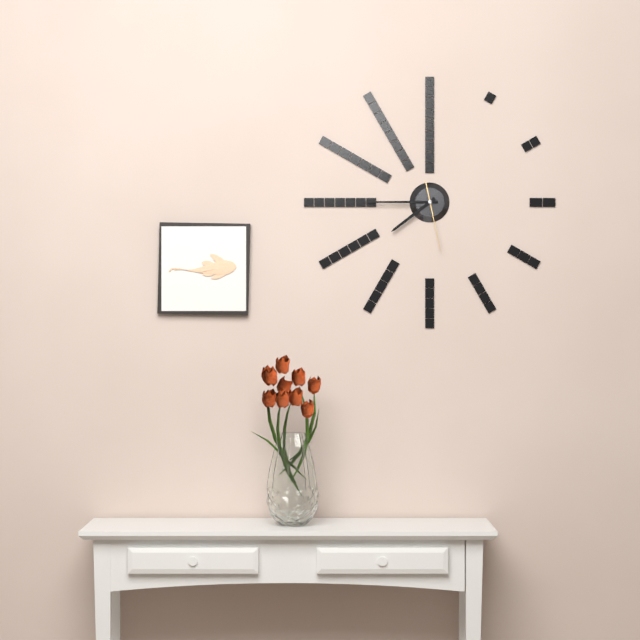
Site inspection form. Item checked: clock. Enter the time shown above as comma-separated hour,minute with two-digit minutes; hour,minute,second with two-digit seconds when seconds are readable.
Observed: 7,45,28
